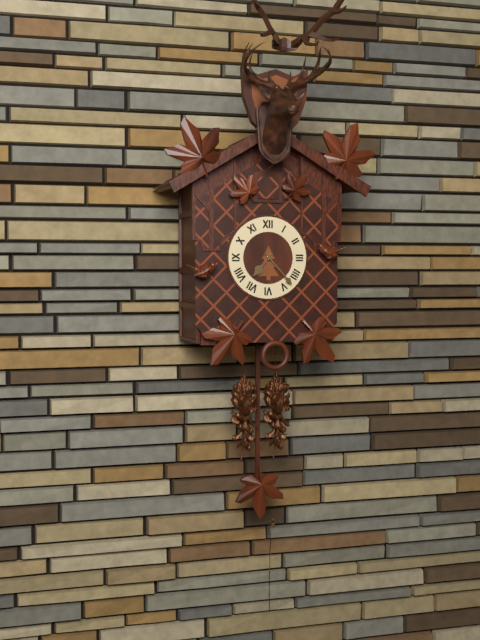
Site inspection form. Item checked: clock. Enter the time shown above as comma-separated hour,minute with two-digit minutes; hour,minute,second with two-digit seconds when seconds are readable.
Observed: 7,23
